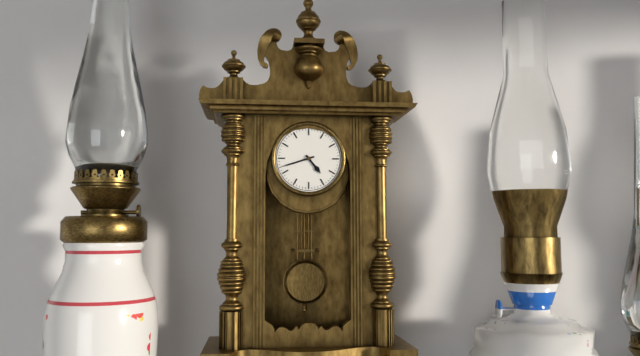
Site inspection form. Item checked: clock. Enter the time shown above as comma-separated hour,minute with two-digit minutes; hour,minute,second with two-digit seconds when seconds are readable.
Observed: 4,42
